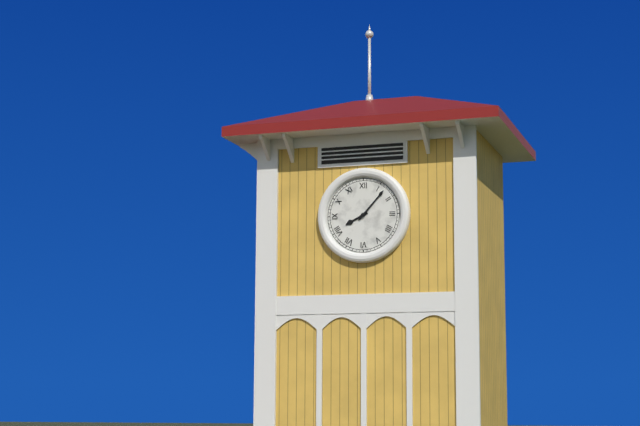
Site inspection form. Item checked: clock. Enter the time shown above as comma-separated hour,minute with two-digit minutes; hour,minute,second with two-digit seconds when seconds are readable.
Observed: 8,07
